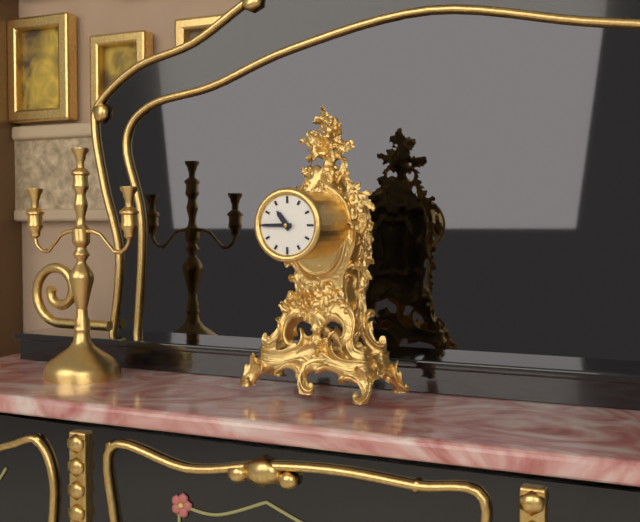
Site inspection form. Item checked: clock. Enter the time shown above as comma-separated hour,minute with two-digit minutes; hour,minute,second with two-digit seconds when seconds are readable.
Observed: 10,45
